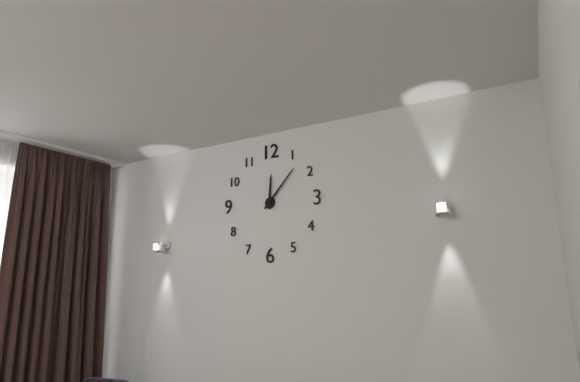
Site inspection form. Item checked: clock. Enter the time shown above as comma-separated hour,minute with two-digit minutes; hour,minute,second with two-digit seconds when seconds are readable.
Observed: 12,07
